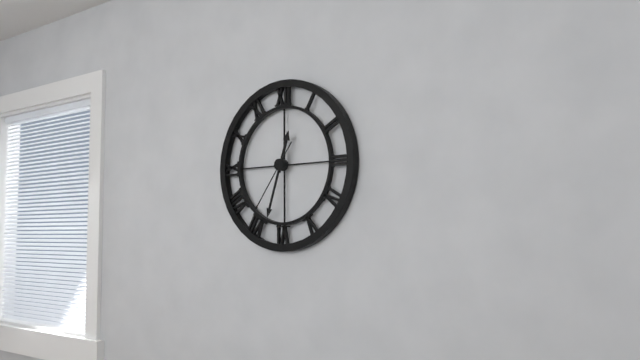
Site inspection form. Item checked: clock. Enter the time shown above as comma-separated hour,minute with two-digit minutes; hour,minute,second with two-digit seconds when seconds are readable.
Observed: 12,33,36
